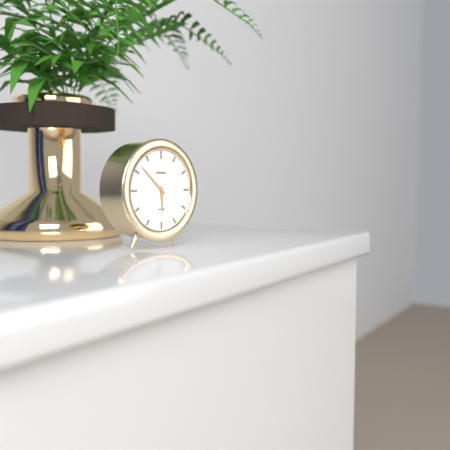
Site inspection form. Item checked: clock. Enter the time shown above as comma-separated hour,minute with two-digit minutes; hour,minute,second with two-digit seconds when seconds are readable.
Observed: 5,52
